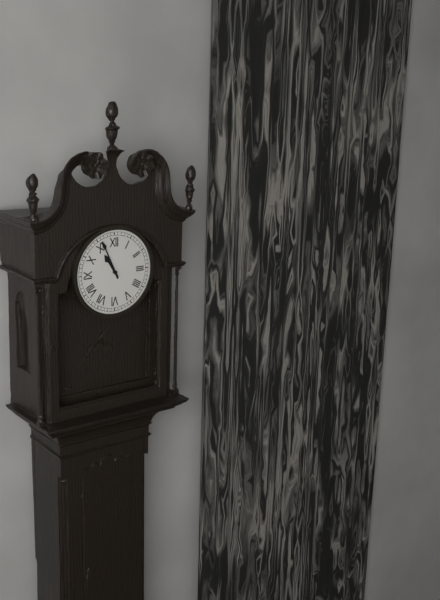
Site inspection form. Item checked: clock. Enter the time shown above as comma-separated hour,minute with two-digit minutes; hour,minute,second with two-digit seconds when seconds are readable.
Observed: 10,56
